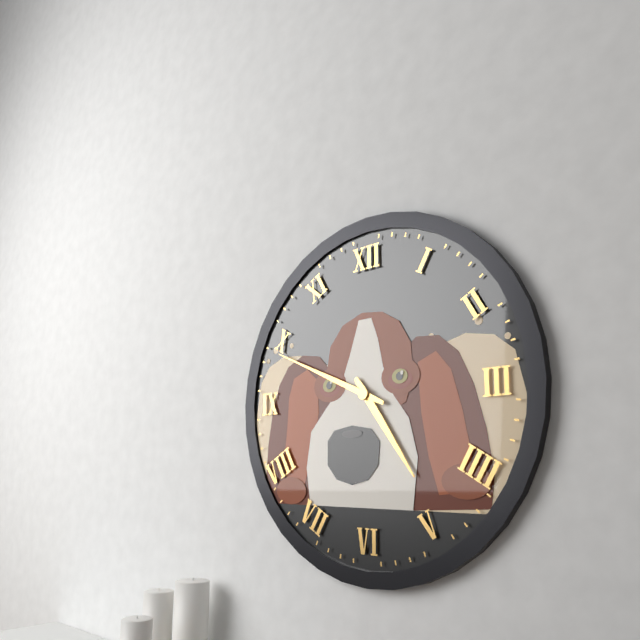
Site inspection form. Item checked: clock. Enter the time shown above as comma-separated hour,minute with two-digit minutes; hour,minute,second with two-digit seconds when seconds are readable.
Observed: 4,49
